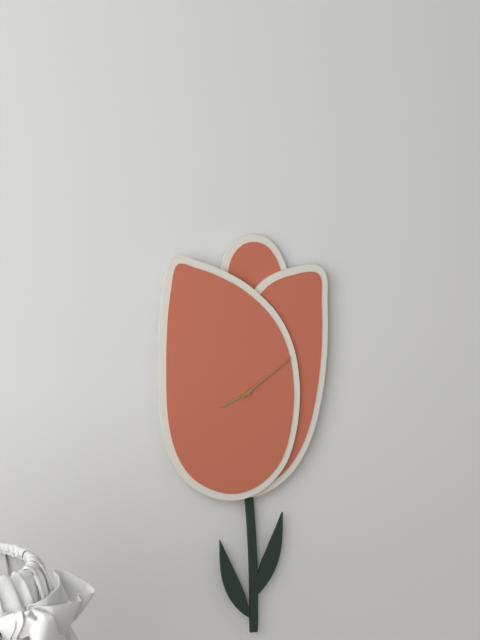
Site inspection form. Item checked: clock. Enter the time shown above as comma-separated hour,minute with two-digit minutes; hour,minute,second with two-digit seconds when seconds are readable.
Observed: 8,09
